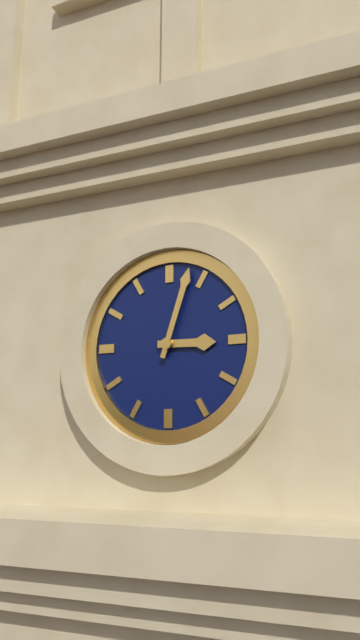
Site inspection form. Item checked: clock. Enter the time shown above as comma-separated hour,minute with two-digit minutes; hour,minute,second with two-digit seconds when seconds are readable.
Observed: 3,03
